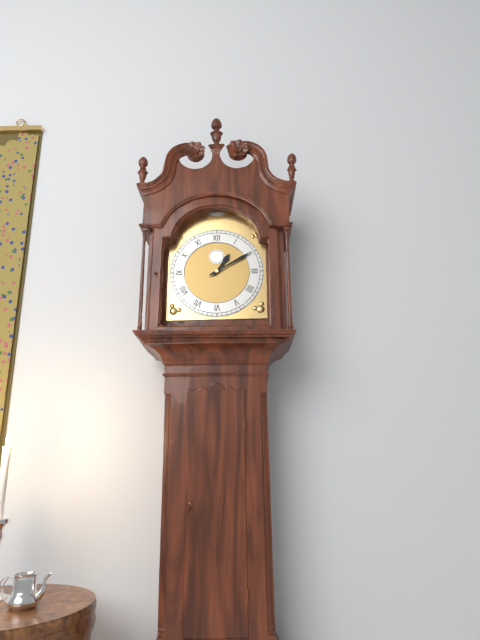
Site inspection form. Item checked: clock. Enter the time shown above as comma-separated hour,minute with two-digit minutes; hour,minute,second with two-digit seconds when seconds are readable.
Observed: 1,10
